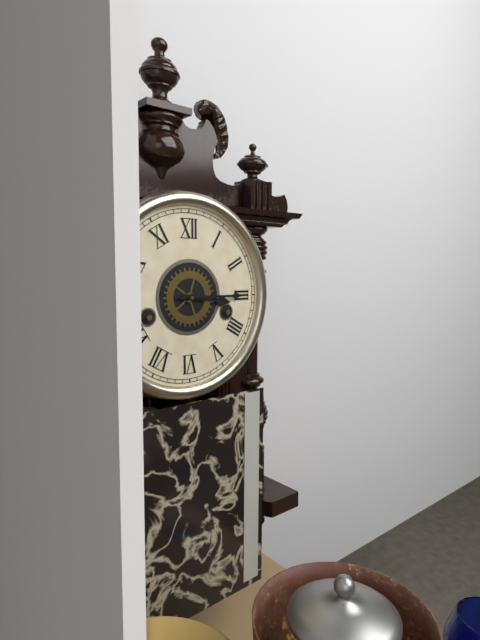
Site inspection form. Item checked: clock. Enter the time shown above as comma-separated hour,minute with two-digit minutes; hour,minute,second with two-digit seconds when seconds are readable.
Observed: 3,15
